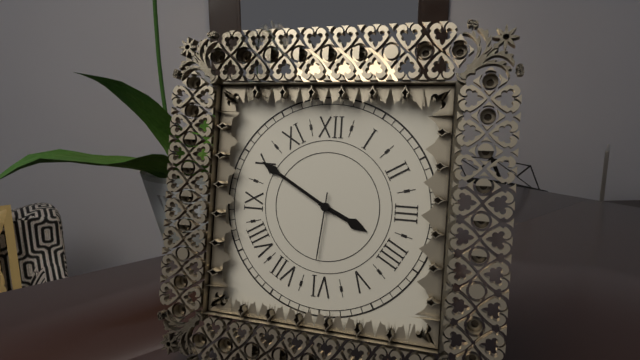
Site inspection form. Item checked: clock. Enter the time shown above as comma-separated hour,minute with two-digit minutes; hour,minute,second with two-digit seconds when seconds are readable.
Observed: 3,50,31
